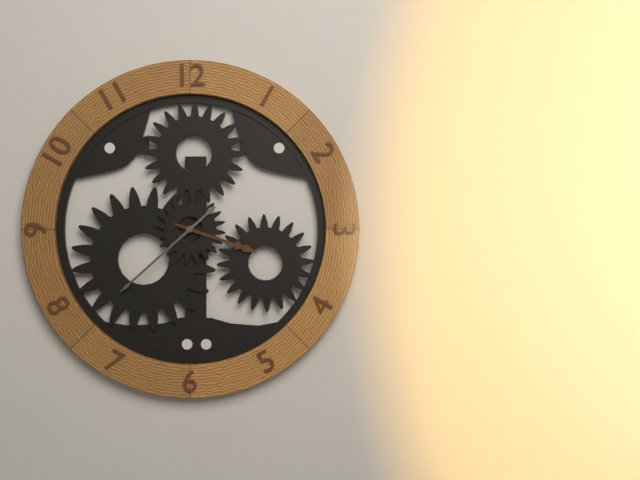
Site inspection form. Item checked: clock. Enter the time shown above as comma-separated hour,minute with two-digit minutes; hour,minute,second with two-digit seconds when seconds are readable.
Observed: 3,38
